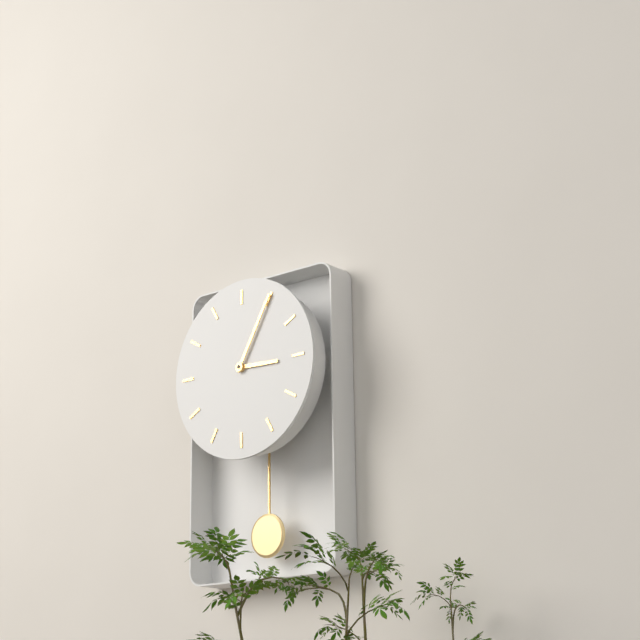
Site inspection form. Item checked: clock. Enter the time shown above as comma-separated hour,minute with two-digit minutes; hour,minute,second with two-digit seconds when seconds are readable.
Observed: 3,05
